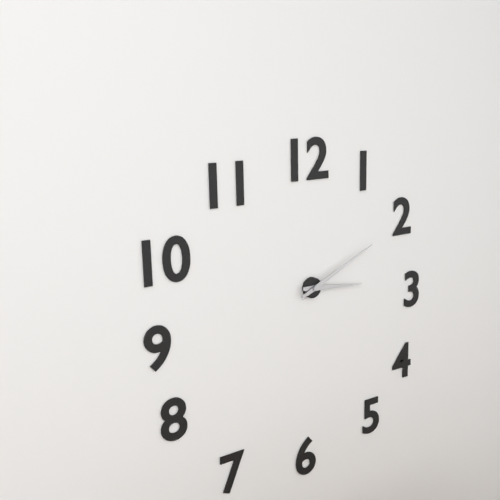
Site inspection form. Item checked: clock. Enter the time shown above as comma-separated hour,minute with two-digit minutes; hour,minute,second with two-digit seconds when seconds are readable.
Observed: 3,11
